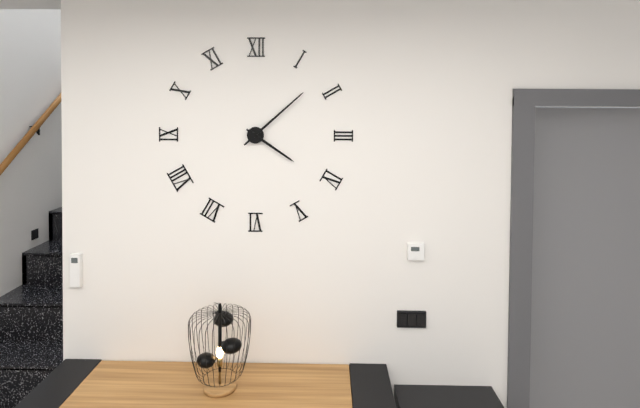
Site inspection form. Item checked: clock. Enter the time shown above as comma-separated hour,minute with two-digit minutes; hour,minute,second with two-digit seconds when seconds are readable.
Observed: 4,08
